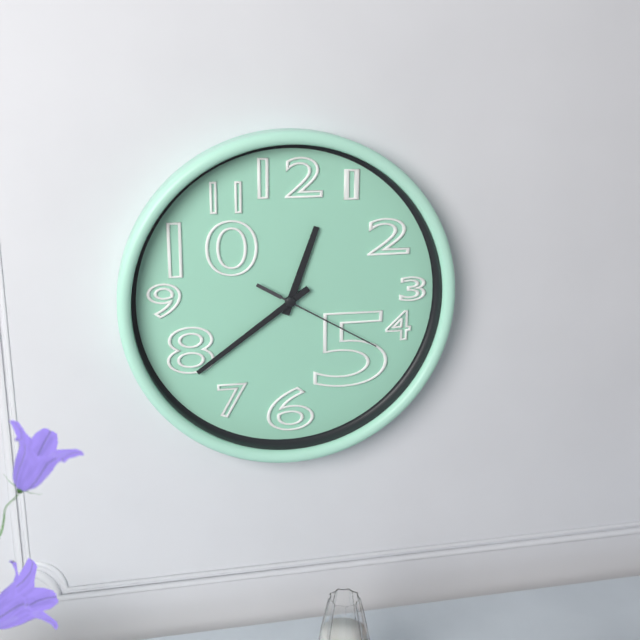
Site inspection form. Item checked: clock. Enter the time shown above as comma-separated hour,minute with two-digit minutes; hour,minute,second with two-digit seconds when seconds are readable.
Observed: 12,39,20
